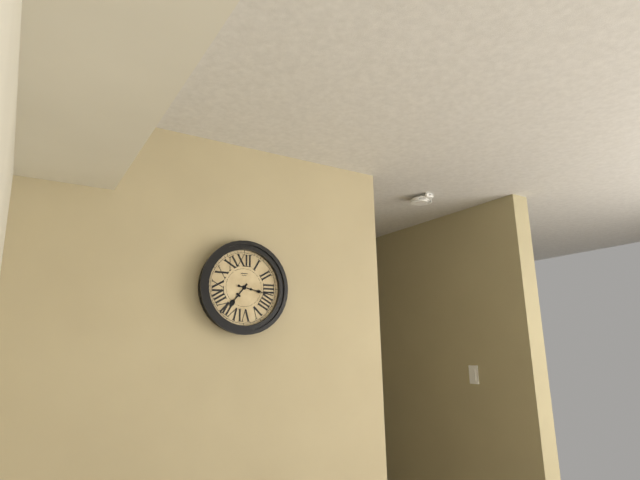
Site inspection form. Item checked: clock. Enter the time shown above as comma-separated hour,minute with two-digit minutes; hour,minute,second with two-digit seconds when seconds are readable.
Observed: 7,17
